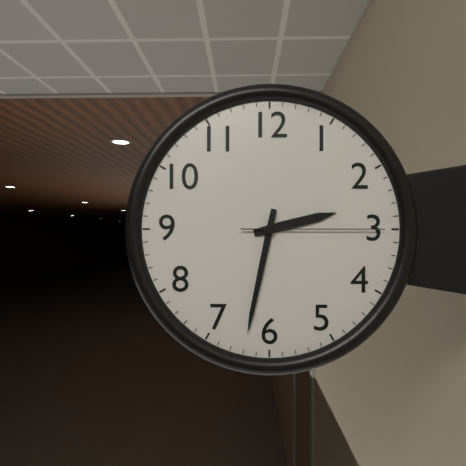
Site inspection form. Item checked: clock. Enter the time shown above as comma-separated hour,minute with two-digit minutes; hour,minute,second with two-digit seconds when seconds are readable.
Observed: 2,32,15
